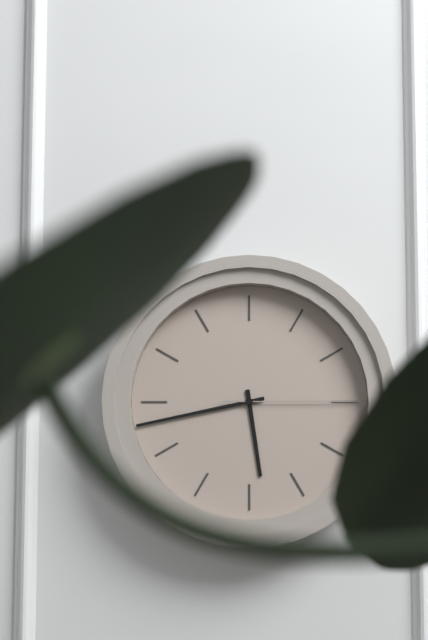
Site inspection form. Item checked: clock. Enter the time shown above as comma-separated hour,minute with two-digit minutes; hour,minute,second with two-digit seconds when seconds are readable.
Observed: 5,43,15
